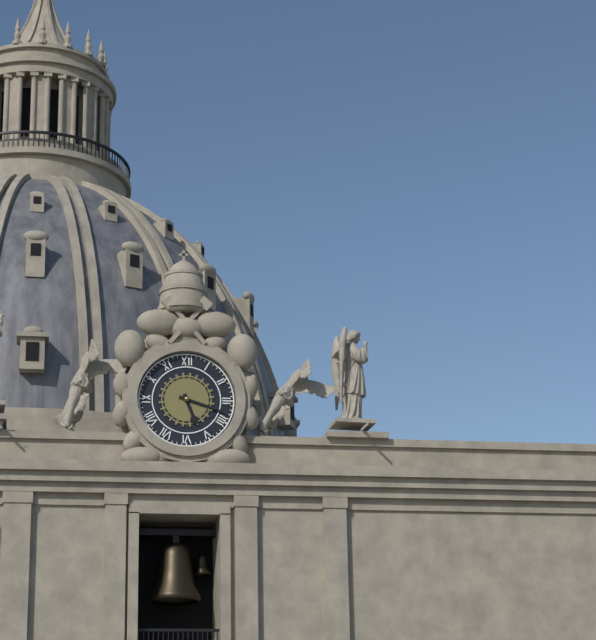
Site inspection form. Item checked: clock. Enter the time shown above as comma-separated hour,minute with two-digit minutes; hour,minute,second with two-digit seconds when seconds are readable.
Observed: 5,18
